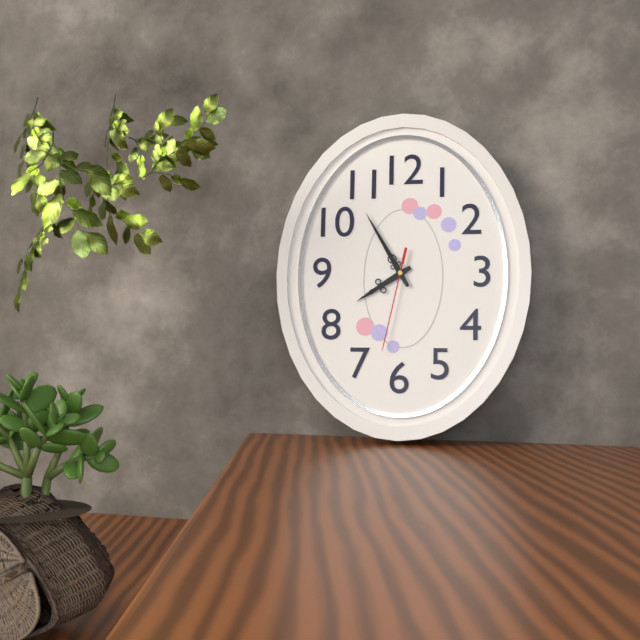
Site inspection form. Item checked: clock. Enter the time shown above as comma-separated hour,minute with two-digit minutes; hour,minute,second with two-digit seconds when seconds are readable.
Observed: 7,55,32
